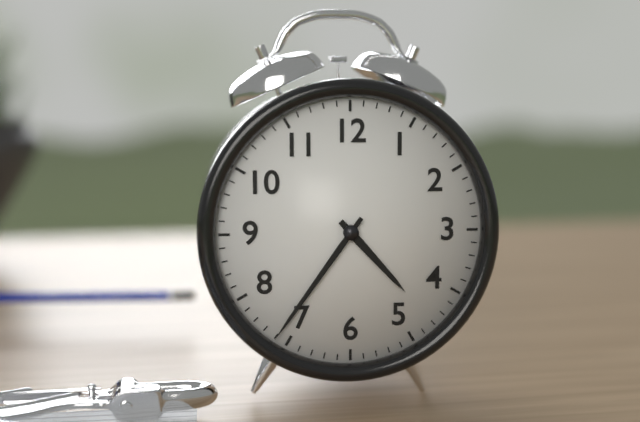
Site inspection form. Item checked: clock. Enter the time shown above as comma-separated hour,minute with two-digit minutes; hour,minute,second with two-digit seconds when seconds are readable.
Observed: 4,36
